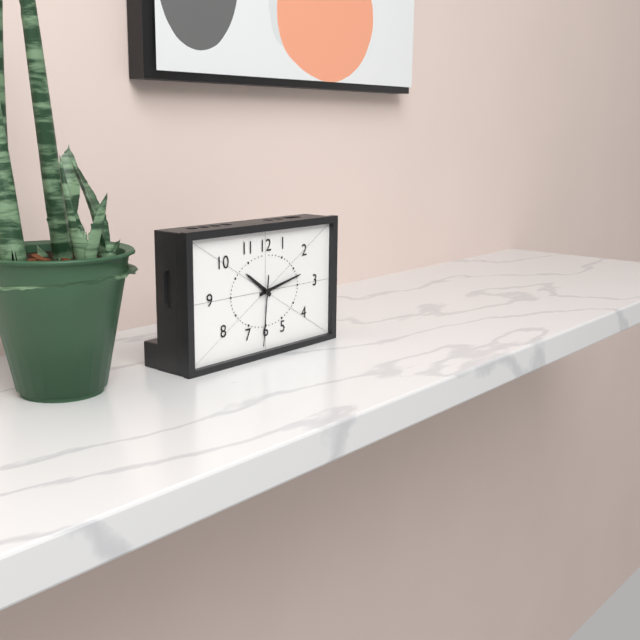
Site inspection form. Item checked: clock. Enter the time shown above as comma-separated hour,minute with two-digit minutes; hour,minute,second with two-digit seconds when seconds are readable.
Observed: 10,13,31
